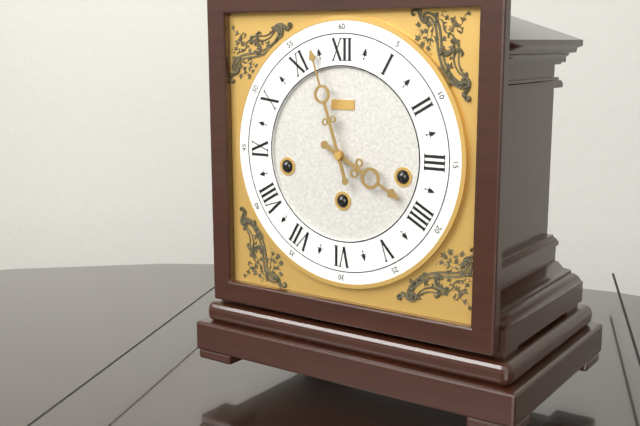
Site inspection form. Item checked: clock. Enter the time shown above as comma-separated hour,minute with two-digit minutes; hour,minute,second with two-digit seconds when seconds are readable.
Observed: 3,57
